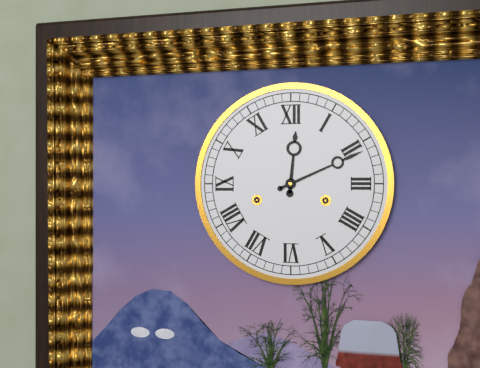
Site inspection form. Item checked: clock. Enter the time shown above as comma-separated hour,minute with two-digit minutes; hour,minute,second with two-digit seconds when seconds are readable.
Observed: 12,11
